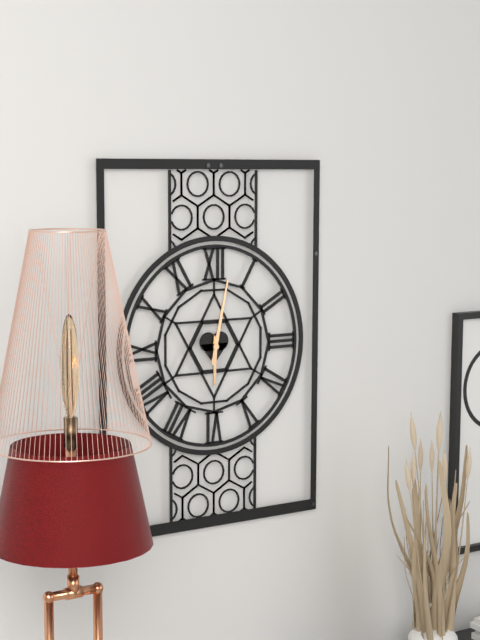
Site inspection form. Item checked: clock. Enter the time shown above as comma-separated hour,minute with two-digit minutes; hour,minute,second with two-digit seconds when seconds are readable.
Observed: 6,02
